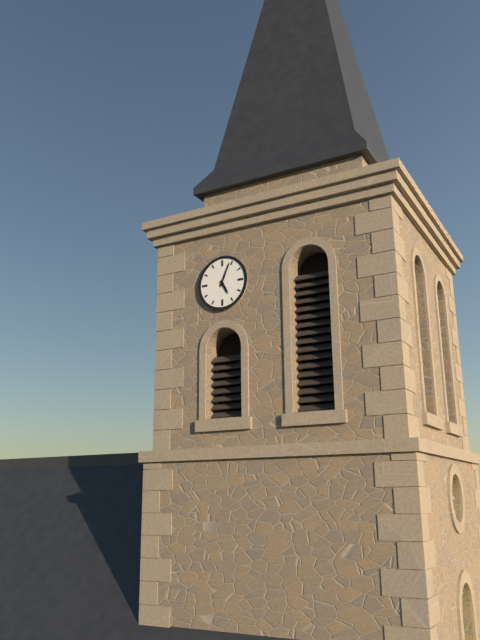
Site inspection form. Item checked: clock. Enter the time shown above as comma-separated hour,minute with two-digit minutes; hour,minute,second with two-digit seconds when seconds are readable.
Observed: 5,04
